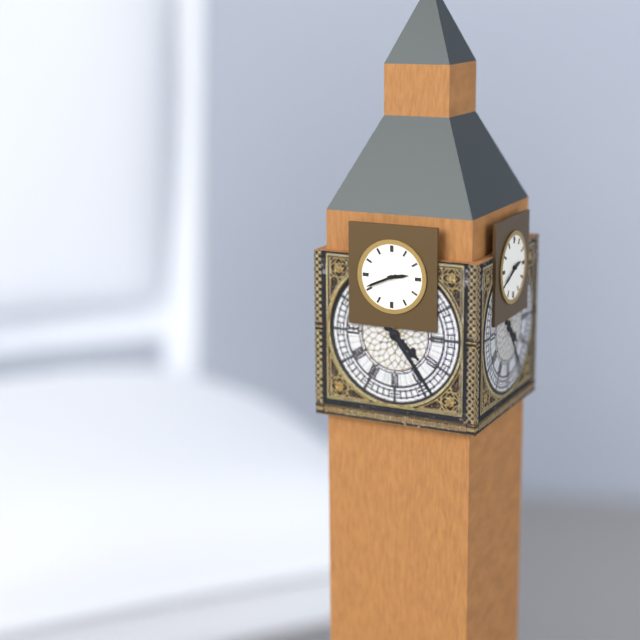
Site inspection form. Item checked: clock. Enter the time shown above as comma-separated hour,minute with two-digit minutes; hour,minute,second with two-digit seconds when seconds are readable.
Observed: 2,41
